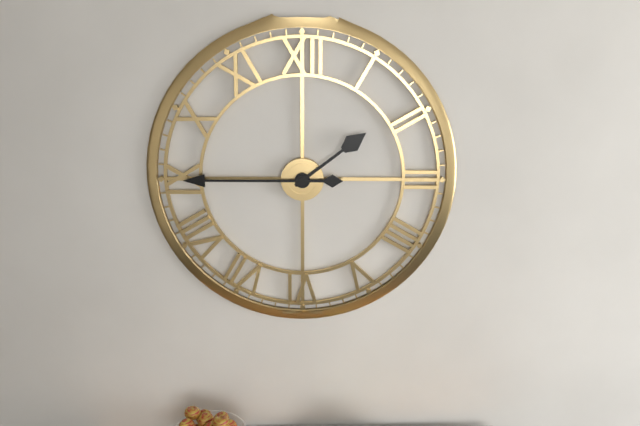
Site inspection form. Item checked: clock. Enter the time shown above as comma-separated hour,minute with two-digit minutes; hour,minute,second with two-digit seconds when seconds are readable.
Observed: 1,45
